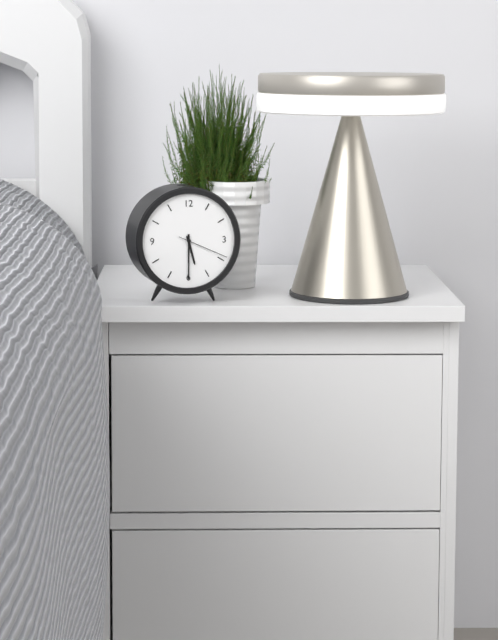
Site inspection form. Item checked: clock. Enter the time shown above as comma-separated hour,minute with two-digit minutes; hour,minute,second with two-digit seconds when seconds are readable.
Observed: 5,30,19
